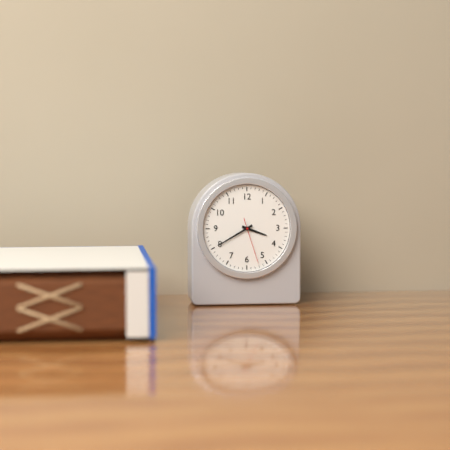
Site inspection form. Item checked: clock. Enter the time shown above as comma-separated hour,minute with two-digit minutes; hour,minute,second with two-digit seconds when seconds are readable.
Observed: 3,40
